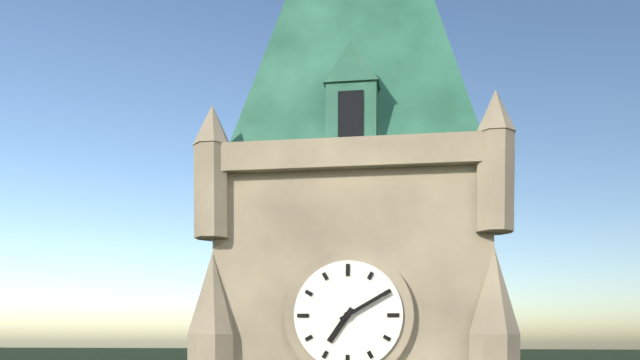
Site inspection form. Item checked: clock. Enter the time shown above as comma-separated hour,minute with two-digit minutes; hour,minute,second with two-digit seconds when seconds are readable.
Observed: 7,10
